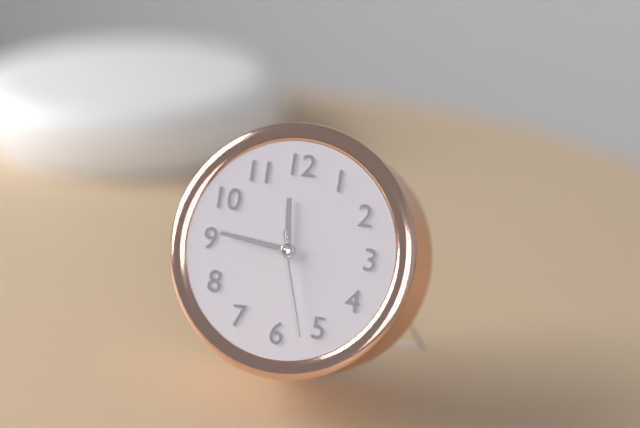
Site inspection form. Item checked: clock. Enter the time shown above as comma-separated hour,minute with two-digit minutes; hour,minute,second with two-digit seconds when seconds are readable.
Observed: 11,46,27
